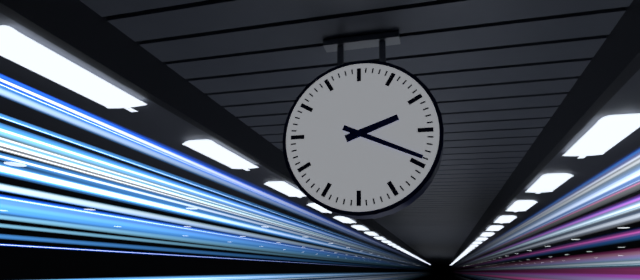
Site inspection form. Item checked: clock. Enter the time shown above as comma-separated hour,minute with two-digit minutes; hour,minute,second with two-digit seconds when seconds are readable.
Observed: 2,19
